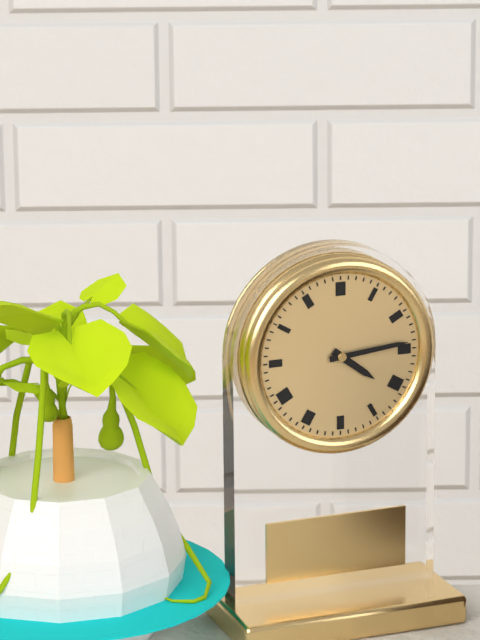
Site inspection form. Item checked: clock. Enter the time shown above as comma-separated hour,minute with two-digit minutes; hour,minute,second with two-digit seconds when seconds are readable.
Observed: 4,14
